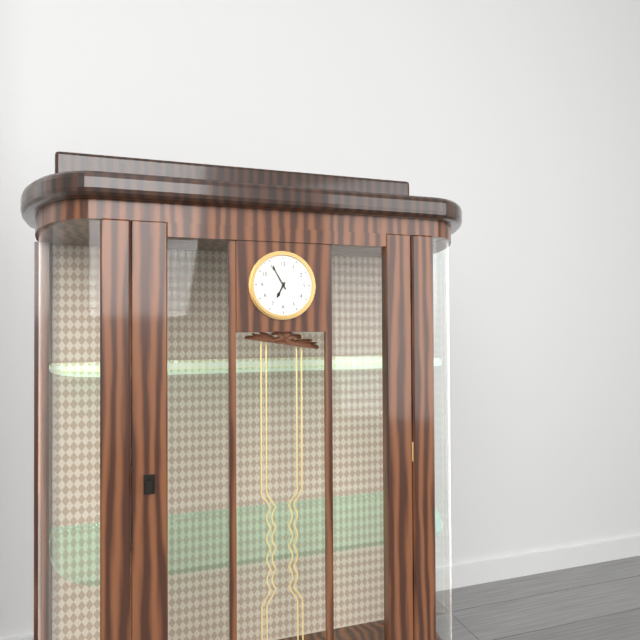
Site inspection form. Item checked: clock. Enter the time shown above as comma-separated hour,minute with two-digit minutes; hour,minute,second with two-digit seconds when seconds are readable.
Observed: 6,55
